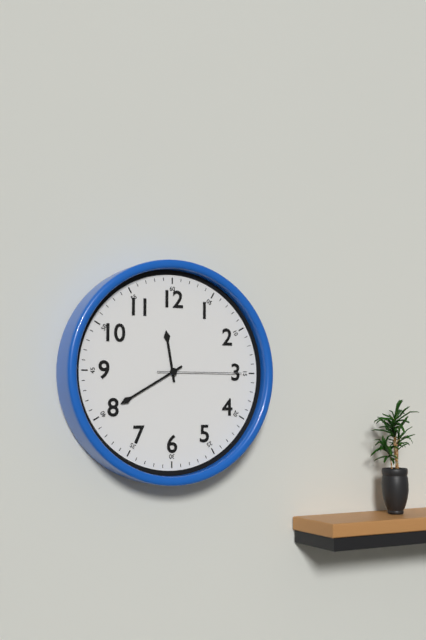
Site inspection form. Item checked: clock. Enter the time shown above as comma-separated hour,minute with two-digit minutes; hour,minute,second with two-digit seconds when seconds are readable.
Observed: 11,40,15
